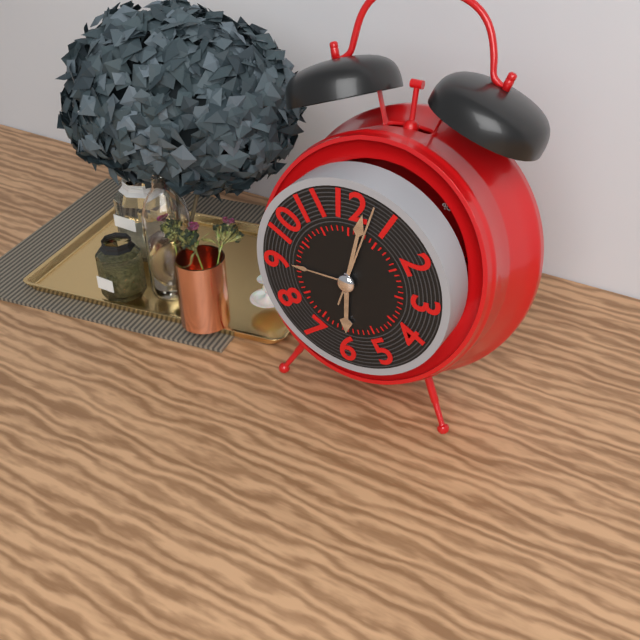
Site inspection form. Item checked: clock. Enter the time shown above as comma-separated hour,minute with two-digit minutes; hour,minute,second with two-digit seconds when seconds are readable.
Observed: 6,02,03
